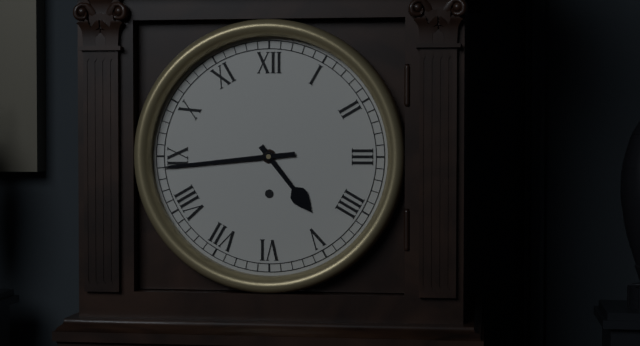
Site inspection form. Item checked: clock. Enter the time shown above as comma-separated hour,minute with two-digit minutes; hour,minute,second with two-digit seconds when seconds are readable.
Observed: 4,44
